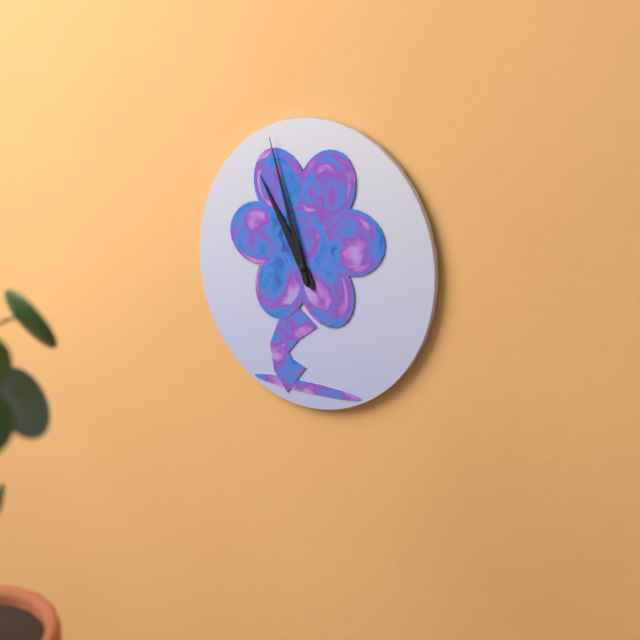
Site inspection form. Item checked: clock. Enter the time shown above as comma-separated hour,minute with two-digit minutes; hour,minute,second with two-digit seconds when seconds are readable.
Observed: 10,57
